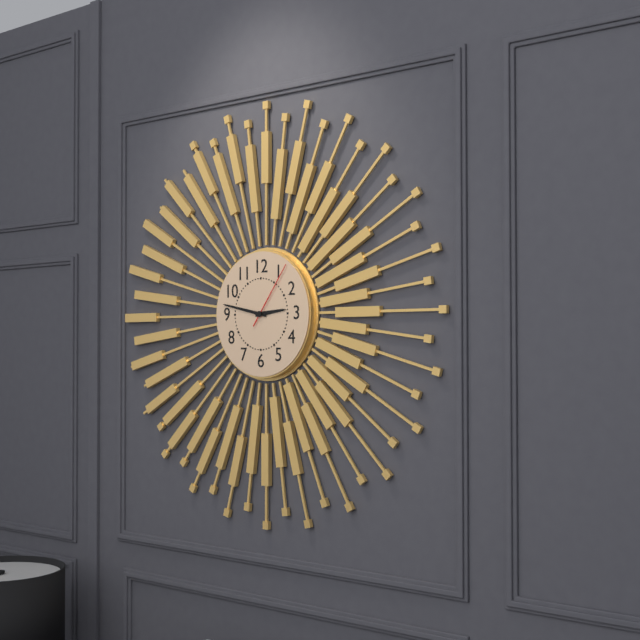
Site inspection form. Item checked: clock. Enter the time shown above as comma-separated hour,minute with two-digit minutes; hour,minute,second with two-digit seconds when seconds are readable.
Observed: 2,47,06
